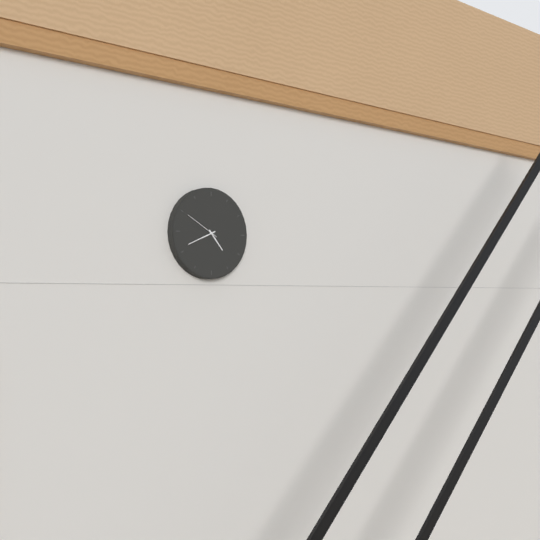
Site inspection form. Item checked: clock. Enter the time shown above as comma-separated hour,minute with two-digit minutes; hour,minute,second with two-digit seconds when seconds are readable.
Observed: 4,41
